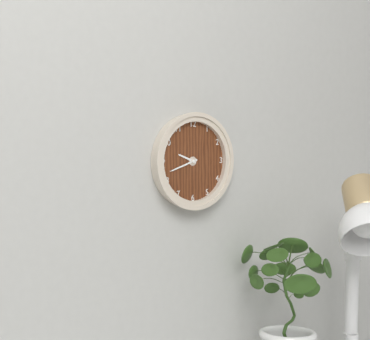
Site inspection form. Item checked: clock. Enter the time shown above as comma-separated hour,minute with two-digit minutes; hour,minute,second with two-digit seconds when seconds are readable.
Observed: 9,42
